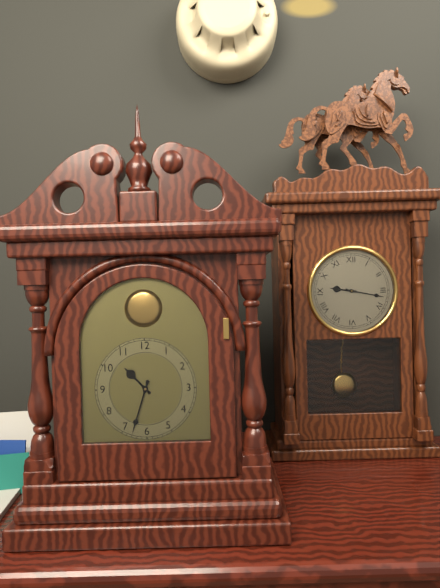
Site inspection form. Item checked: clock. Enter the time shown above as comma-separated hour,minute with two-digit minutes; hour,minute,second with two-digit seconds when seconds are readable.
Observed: 10,33
